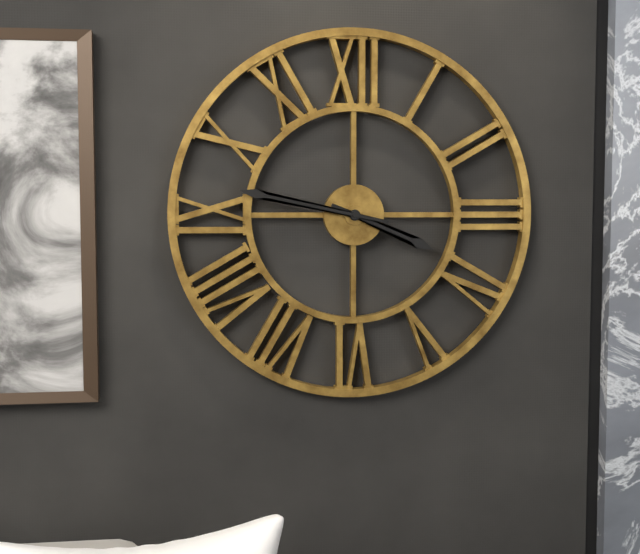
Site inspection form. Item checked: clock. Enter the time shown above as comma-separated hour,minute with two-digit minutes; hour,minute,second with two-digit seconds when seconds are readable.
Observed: 3,47
